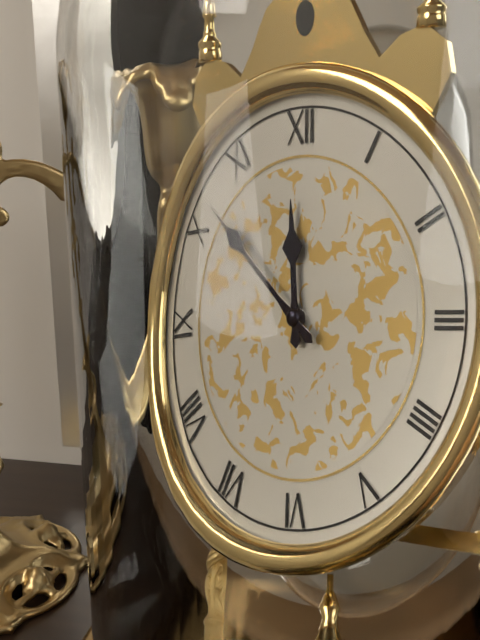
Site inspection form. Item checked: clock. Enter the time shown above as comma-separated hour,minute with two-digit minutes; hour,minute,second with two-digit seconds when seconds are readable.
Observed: 11,52
